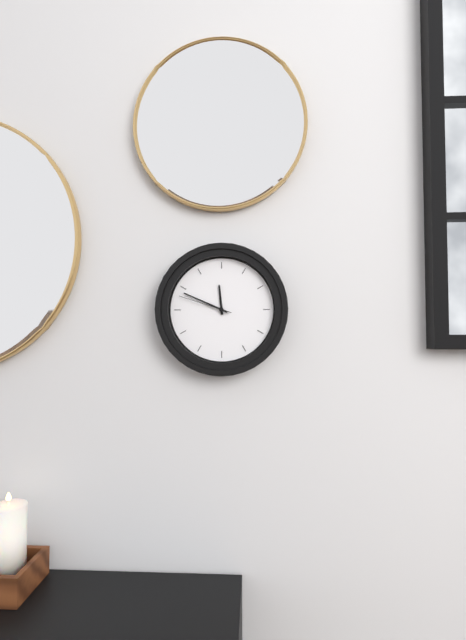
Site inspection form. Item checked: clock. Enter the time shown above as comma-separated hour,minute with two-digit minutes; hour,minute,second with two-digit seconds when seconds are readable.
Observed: 11,49,48
